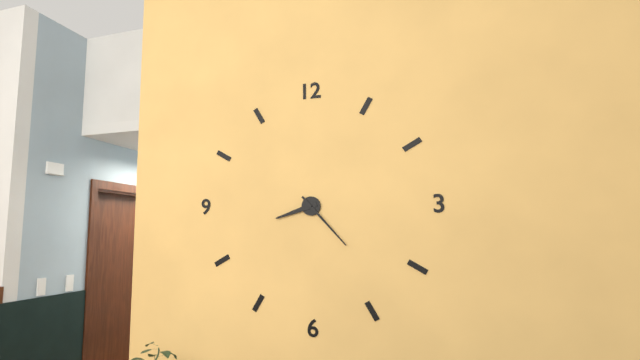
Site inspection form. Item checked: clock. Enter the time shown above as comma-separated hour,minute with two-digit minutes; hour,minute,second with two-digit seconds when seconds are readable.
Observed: 8,23
